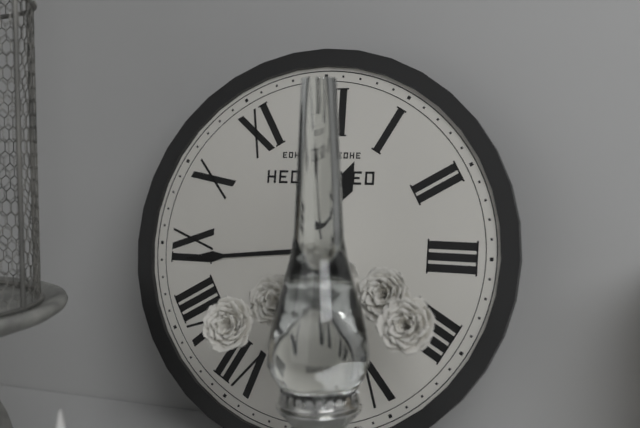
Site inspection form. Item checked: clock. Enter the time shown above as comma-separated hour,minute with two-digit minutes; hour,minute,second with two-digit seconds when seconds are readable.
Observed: 12,44
